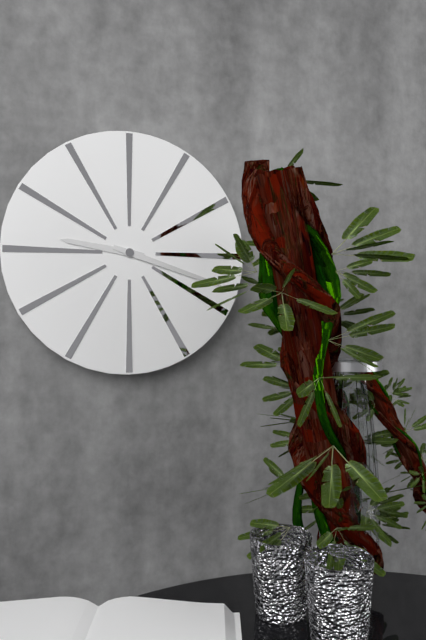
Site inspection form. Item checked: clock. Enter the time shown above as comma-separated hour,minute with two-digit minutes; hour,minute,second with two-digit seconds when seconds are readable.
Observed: 9,18
